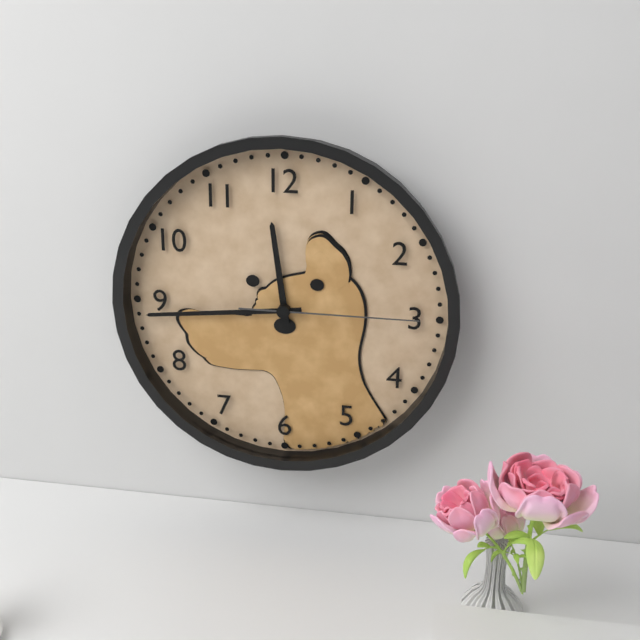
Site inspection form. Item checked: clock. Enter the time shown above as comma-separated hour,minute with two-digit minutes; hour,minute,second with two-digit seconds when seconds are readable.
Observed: 11,44,15
